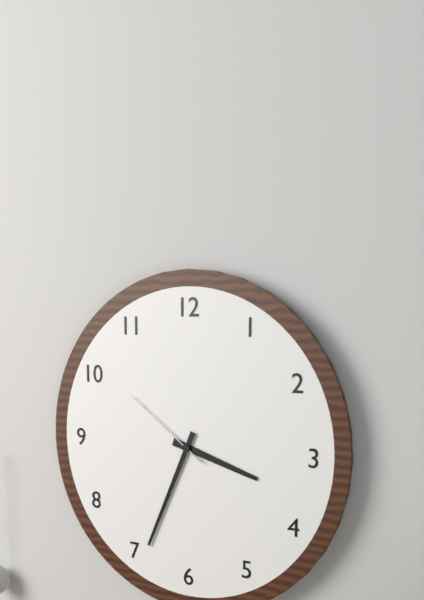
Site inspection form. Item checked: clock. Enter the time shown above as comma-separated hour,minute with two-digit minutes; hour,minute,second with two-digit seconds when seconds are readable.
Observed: 3,34,51
